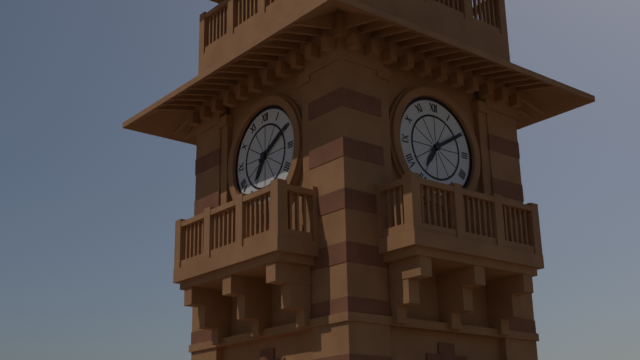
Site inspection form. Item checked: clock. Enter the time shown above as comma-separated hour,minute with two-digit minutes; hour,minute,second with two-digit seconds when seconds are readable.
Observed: 7,10
